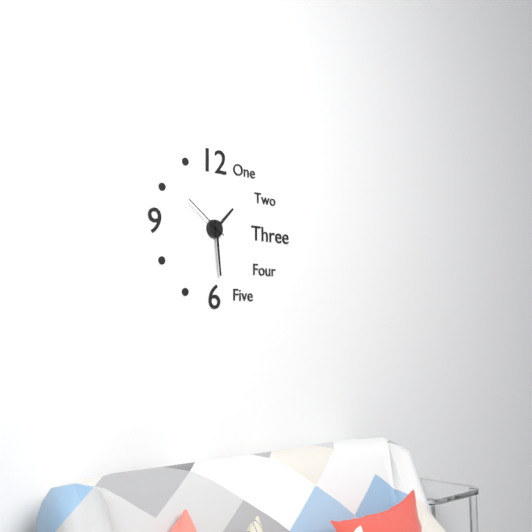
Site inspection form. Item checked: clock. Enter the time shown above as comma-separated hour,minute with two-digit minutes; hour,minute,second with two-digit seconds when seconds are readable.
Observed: 1,29,51
